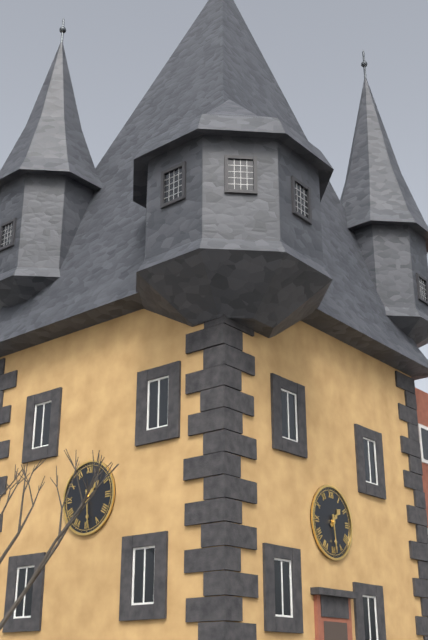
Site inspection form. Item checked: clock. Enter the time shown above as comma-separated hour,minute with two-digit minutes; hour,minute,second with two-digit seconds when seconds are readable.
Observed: 1,29
